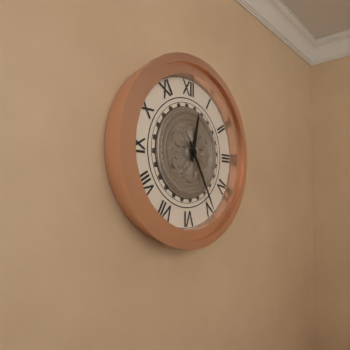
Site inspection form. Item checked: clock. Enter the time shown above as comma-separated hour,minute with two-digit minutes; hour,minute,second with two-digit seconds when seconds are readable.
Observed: 12,25
